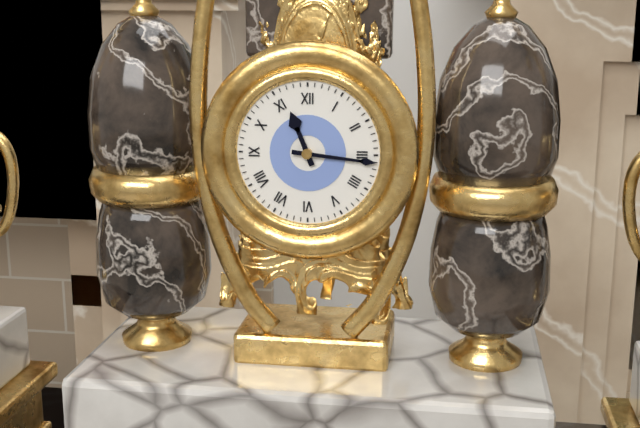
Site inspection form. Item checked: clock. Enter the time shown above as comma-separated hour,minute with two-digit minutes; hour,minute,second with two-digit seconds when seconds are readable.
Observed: 11,16
